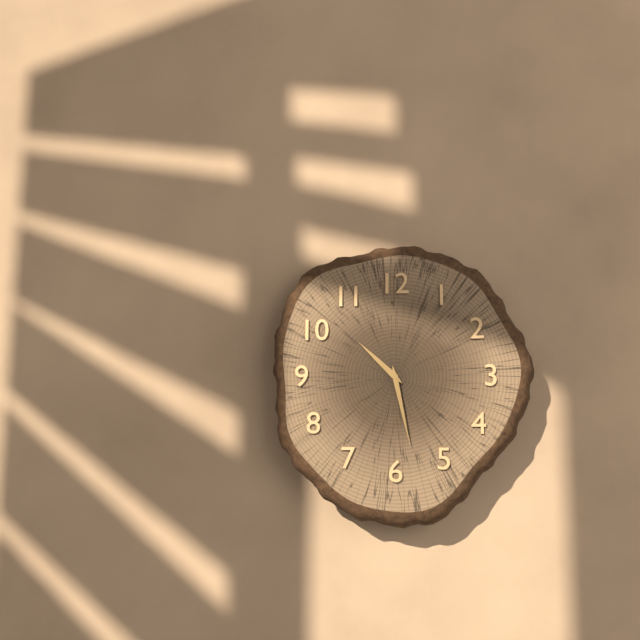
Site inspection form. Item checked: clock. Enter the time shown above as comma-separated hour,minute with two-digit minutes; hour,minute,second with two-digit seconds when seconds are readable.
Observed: 10,28
